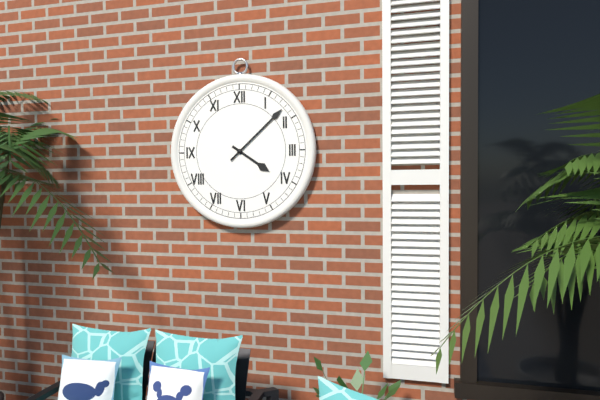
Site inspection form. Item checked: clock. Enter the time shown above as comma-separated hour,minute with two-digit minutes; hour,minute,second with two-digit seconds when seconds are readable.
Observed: 4,08
